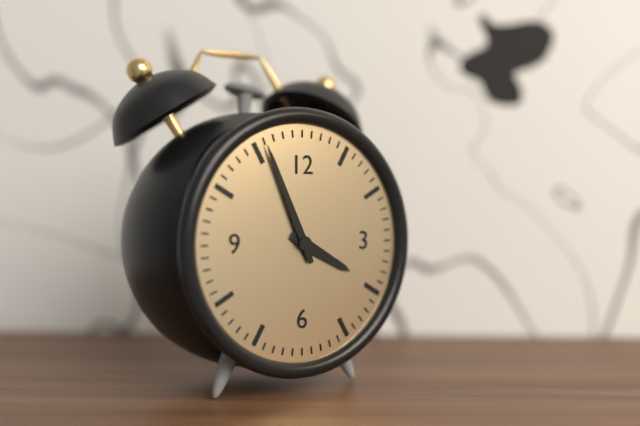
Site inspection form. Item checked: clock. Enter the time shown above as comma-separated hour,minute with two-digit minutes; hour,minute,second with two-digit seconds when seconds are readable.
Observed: 3,56
